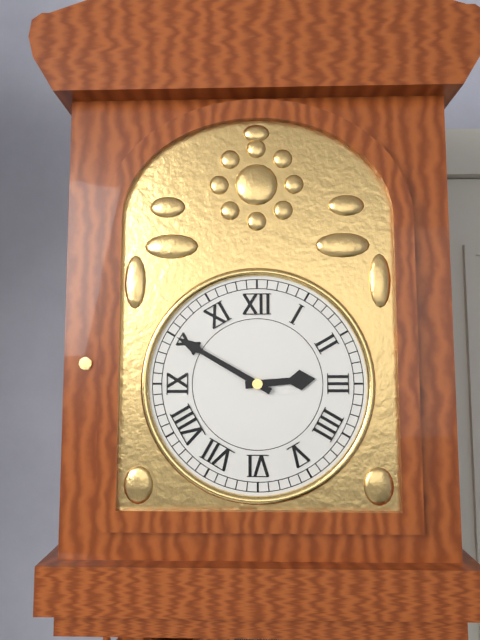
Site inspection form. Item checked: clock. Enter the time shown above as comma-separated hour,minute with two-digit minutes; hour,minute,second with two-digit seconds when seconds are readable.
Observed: 2,50
